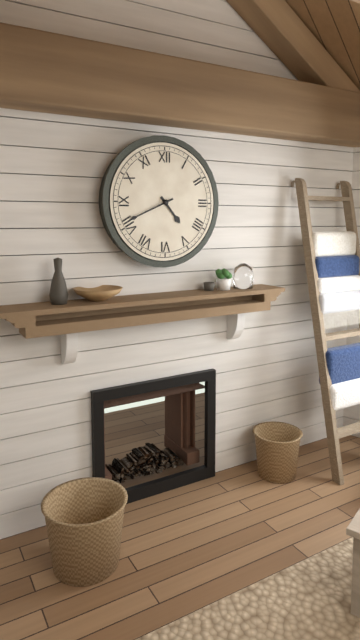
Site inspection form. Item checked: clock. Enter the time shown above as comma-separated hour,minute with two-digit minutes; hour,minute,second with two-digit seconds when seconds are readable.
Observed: 4,41
